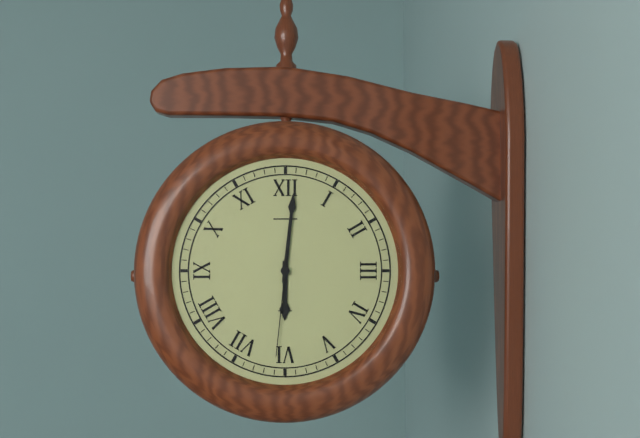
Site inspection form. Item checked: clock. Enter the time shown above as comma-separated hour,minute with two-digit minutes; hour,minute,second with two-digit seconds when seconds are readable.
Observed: 6,01,31
